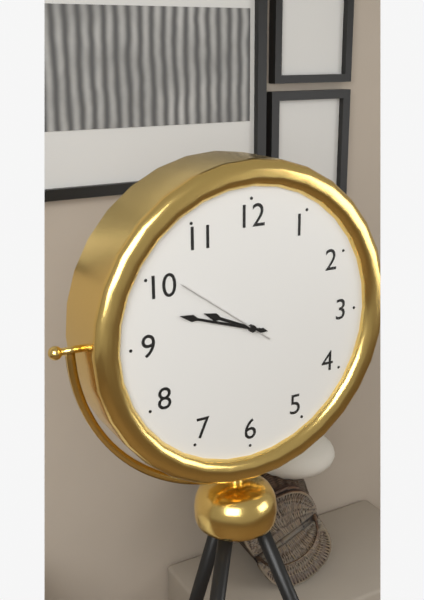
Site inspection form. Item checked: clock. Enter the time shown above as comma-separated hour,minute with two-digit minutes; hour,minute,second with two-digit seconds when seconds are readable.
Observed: 9,48,51
